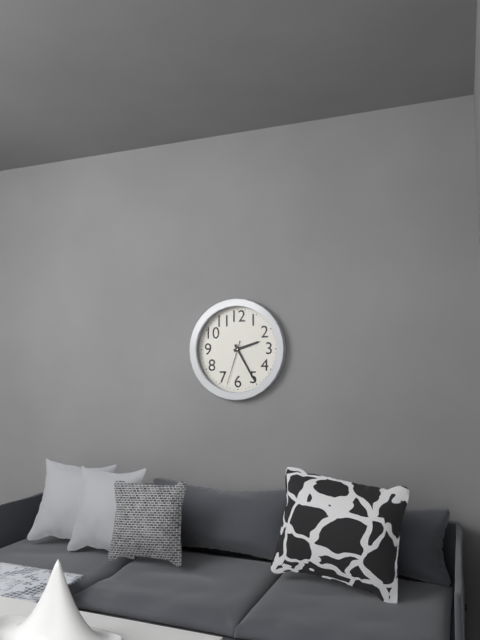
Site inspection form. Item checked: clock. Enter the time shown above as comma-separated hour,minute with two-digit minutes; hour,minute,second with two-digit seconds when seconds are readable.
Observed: 2,25
